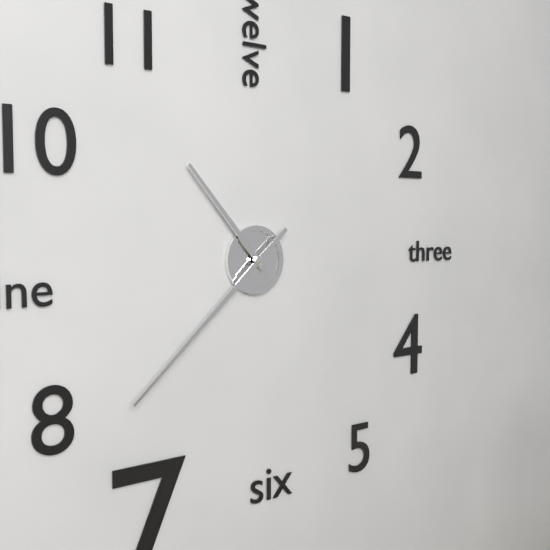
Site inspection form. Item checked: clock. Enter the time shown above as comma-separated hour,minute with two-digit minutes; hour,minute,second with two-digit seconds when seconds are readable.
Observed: 10,38
